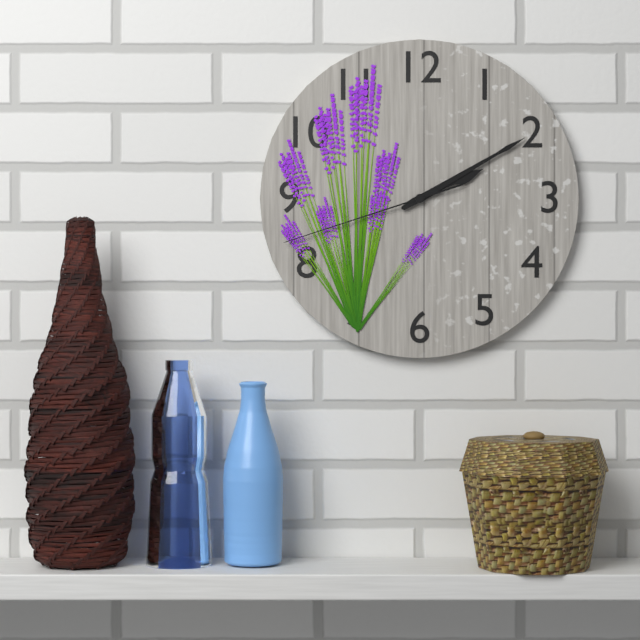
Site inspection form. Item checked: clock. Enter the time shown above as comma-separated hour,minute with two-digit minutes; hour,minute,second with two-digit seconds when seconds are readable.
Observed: 2,10,42
